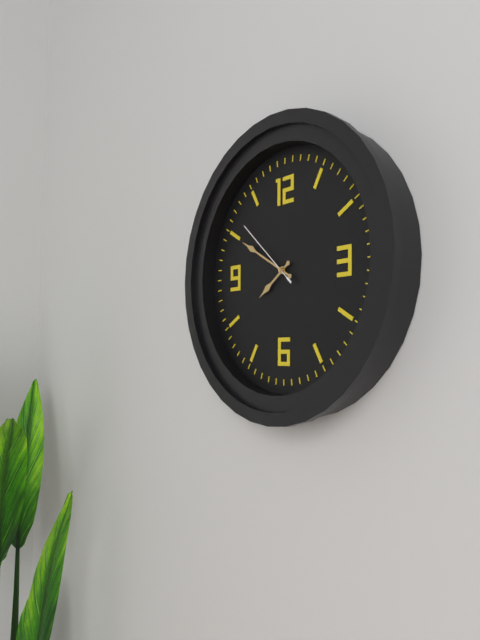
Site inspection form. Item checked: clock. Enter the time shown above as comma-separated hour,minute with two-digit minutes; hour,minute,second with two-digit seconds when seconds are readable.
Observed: 7,50,52
